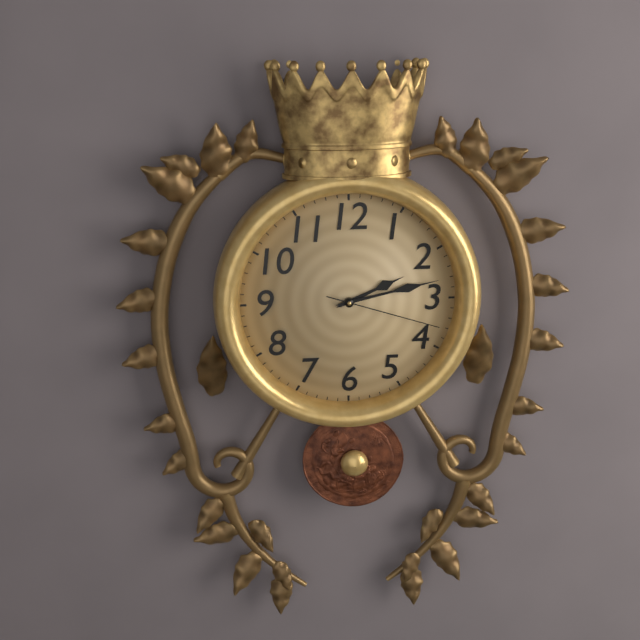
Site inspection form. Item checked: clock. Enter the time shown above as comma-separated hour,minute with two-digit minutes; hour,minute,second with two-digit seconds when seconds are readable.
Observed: 2,13,18
